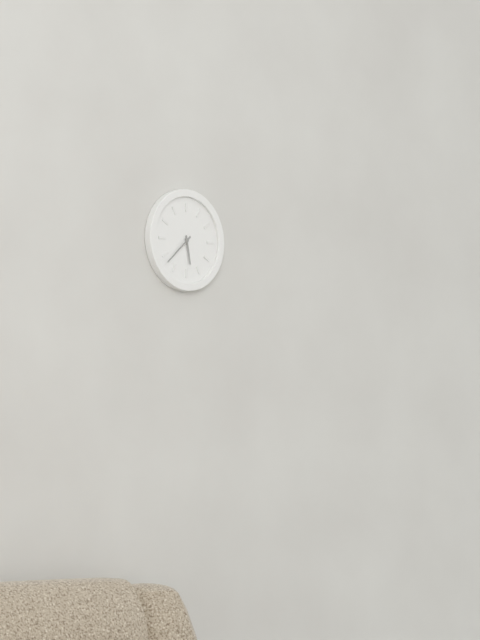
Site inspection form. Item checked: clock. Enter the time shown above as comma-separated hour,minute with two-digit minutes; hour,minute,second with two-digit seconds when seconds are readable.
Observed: 5,38
